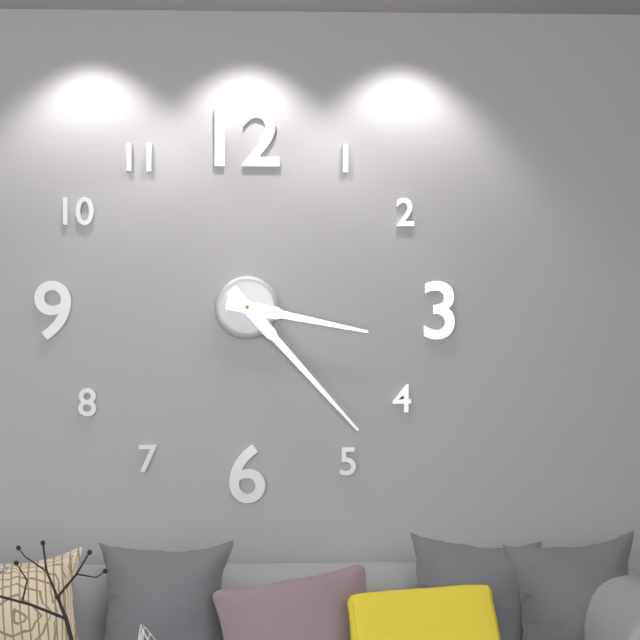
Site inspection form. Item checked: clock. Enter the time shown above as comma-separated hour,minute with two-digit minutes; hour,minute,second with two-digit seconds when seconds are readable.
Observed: 3,23
